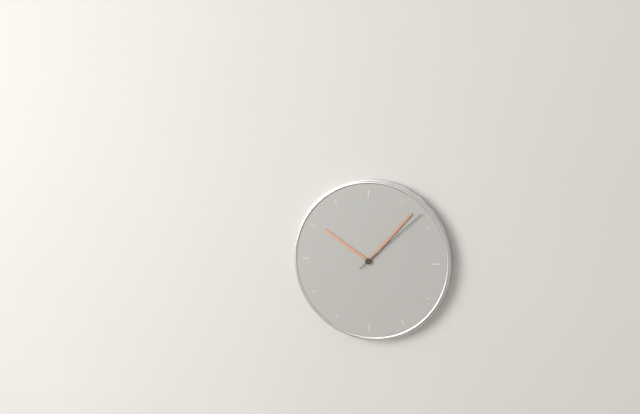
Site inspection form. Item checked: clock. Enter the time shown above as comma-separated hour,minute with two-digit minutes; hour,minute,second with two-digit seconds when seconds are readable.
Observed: 10,07,08
